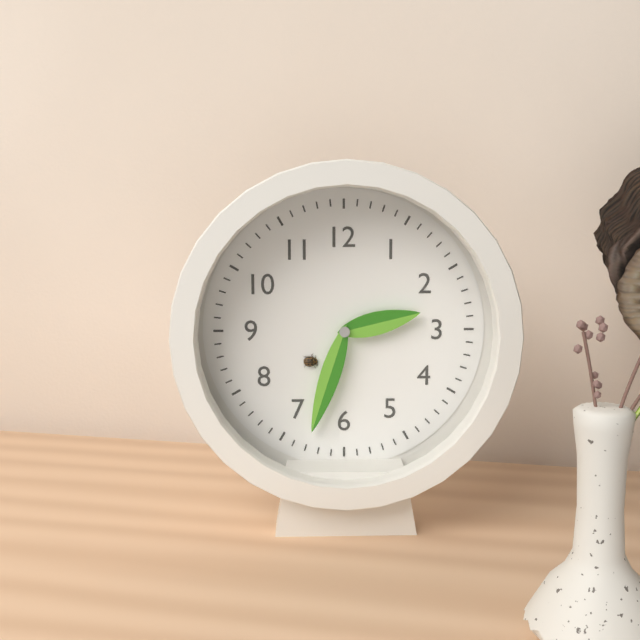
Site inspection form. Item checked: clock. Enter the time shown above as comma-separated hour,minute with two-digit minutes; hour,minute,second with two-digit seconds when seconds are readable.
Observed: 2,33
